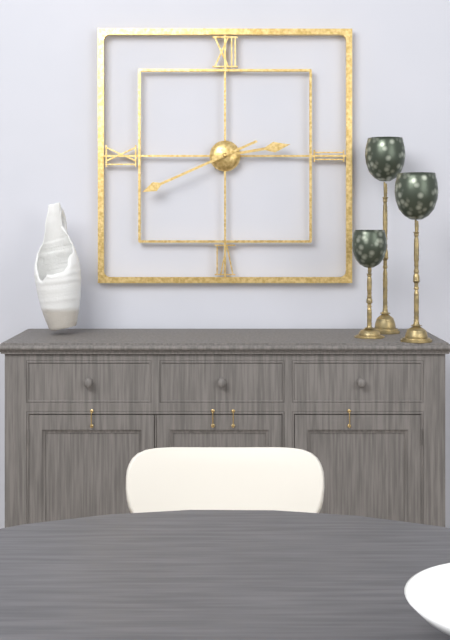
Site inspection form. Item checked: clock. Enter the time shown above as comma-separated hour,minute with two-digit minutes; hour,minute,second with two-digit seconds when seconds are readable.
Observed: 2,41
